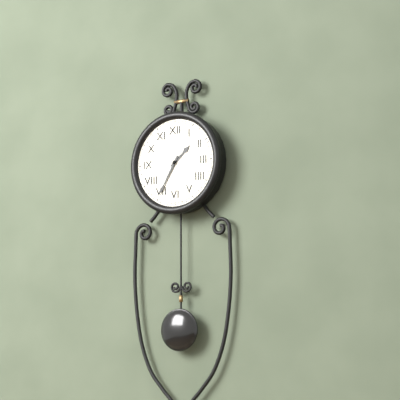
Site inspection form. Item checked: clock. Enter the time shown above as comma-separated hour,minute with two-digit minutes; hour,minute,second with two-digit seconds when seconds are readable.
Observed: 1,35
